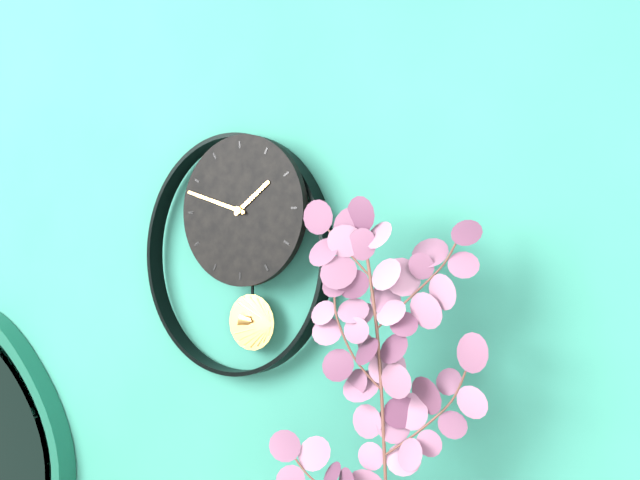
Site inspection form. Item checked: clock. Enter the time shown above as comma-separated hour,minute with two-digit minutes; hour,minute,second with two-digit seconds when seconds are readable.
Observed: 1,48
